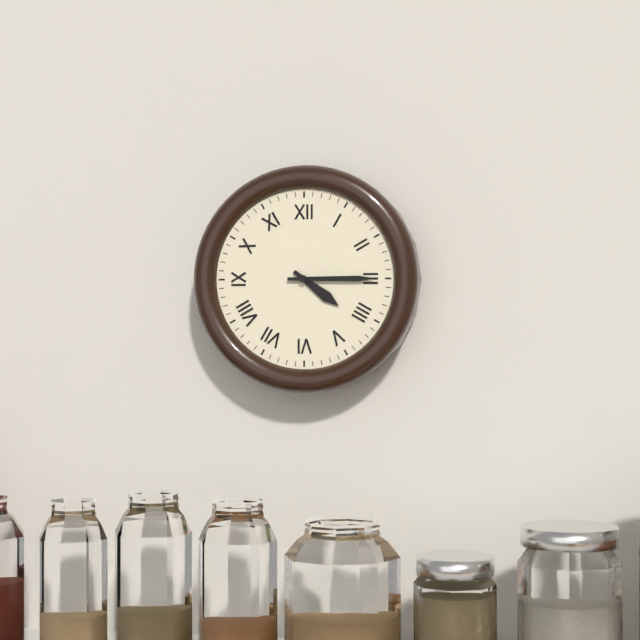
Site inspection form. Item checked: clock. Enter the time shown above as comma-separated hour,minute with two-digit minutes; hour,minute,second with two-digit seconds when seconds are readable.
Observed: 4,15
